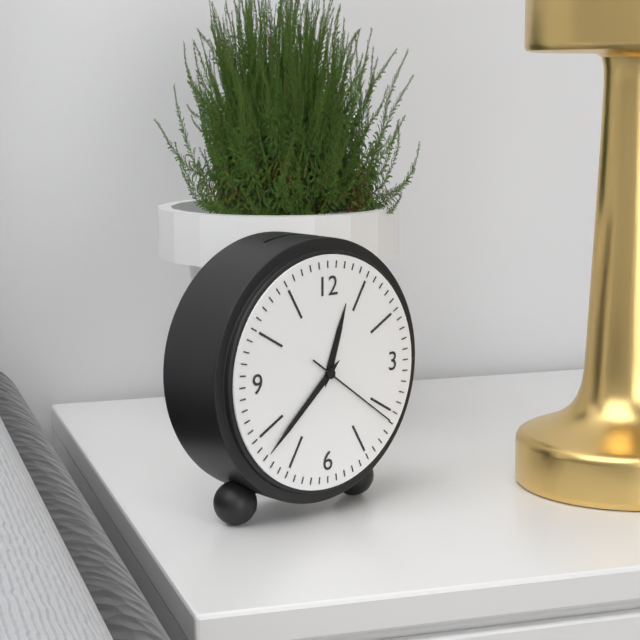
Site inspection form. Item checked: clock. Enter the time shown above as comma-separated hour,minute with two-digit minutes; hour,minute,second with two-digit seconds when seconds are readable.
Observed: 12,38,21
